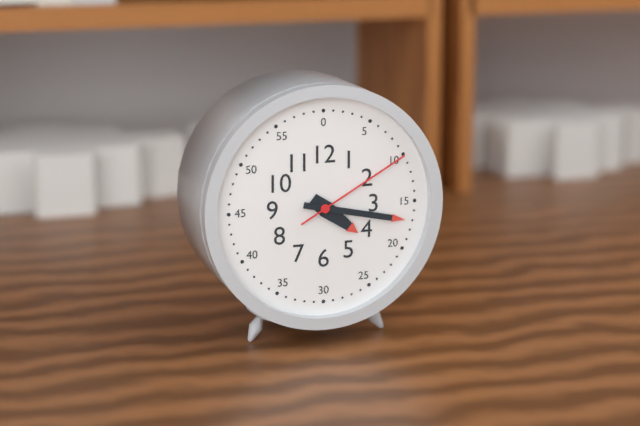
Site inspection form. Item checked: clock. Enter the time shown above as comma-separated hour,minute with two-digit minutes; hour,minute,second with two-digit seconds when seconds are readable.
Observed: 4,17,10
